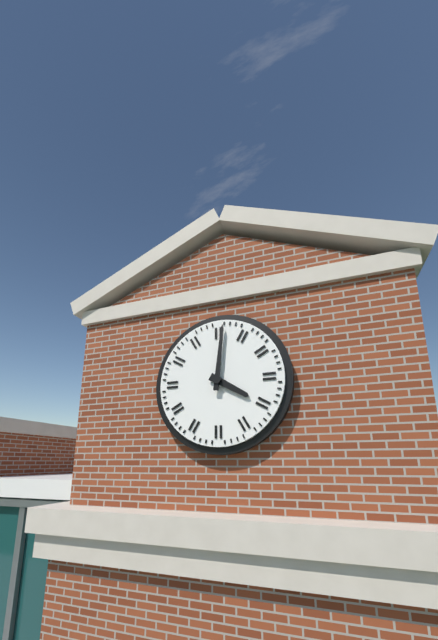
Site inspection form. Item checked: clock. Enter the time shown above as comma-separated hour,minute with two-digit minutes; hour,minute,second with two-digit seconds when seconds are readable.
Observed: 4,01
